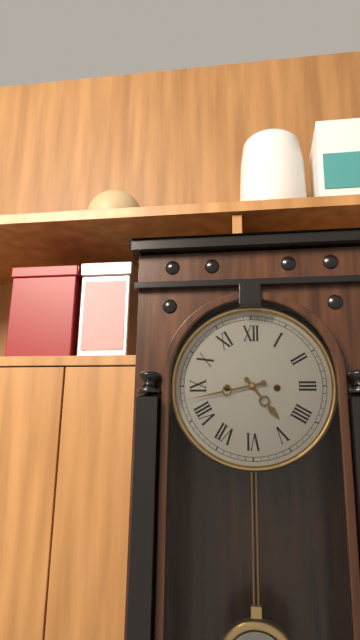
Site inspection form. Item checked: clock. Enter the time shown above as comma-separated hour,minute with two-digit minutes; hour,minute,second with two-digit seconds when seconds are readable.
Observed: 4,43
